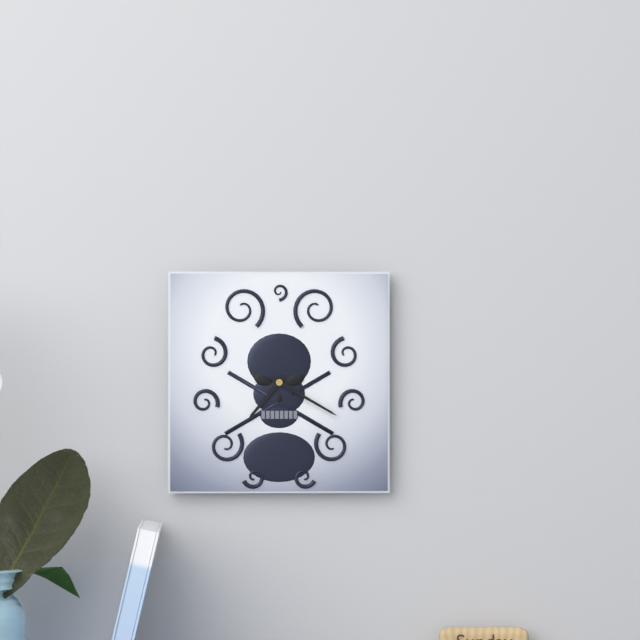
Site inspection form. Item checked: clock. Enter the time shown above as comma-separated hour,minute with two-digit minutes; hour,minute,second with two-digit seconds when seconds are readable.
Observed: 7,20
